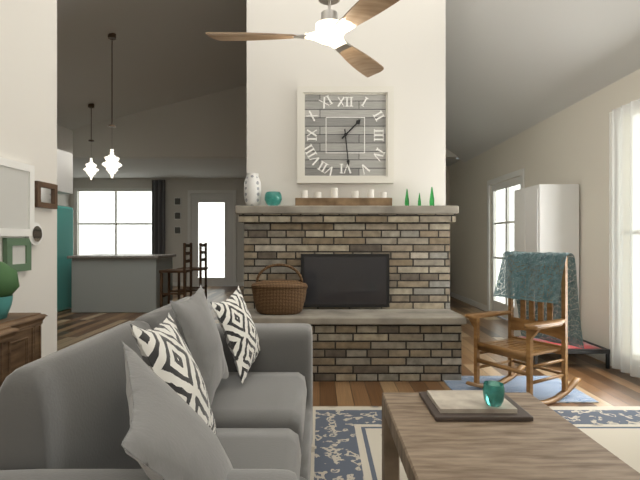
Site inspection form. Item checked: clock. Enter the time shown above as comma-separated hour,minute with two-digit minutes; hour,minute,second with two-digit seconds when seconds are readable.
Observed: 1,29
